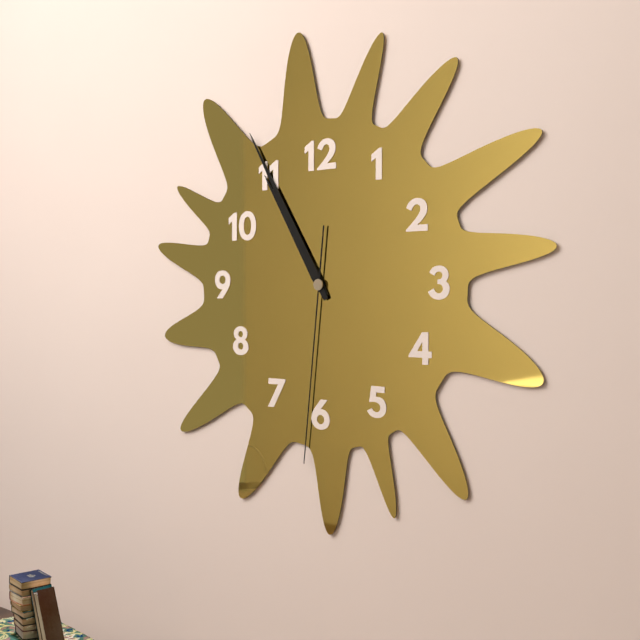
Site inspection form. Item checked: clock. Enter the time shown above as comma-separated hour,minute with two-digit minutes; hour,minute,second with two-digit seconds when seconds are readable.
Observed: 10,55,31
